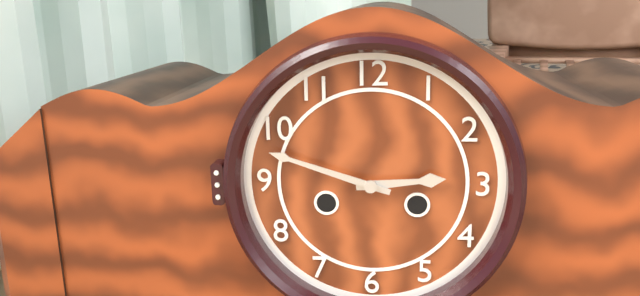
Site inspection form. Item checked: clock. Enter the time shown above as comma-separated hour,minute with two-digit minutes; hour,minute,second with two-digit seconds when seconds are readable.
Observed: 2,48
